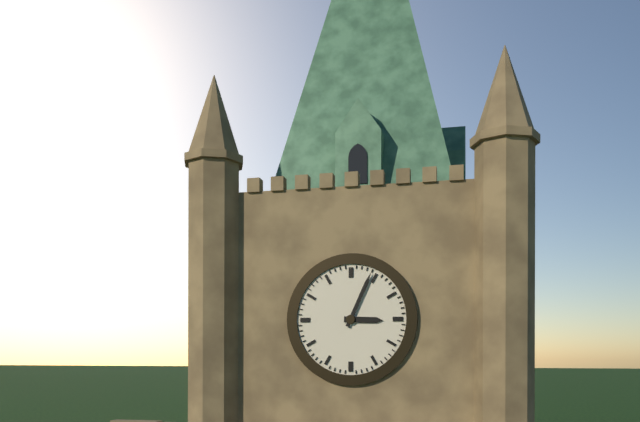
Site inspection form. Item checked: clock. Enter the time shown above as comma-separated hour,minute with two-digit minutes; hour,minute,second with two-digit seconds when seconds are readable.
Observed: 3,04
